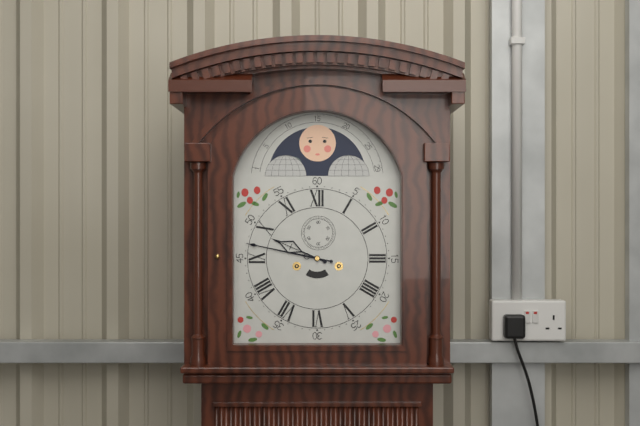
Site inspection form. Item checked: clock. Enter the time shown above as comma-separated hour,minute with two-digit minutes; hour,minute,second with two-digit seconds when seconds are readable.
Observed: 9,47
